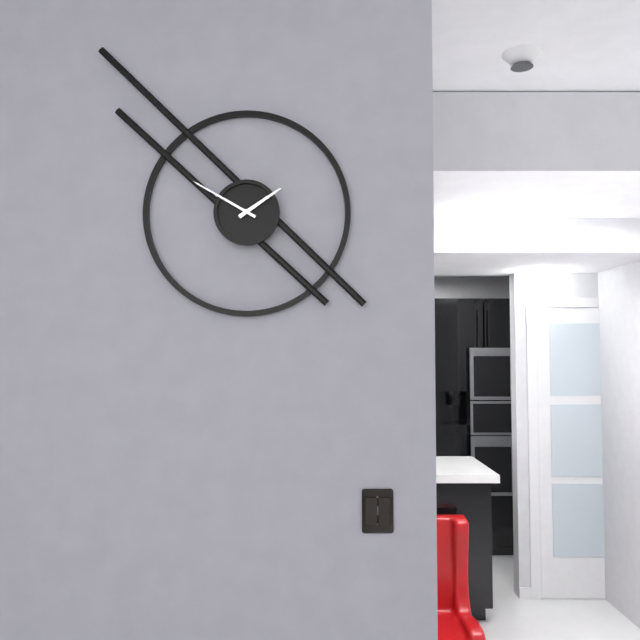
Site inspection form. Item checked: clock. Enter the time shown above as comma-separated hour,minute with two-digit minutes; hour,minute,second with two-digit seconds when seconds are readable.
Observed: 1,50
